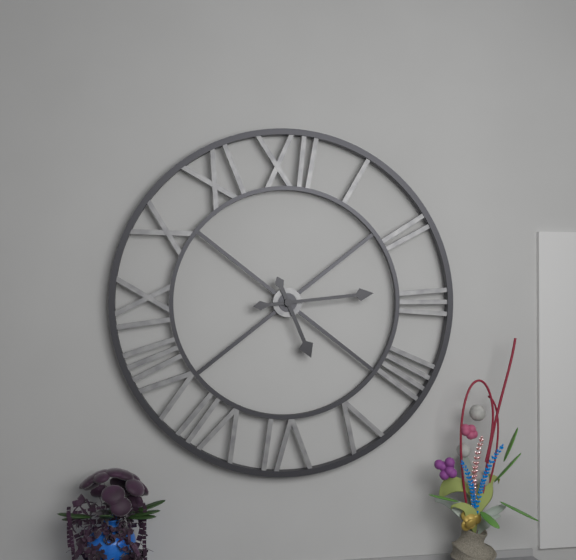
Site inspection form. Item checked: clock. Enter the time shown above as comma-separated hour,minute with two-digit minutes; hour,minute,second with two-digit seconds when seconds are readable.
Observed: 5,14
